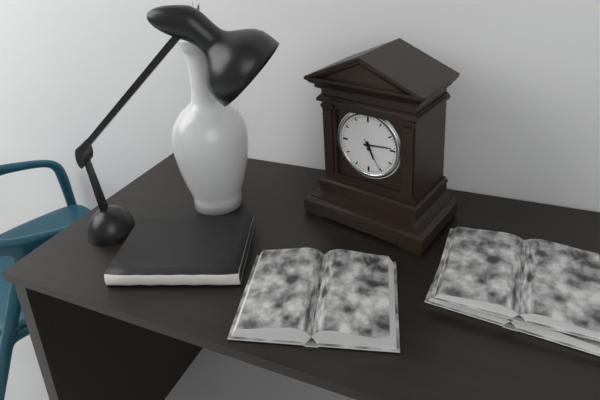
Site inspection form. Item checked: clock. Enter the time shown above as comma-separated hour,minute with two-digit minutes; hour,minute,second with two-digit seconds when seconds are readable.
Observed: 5,14
